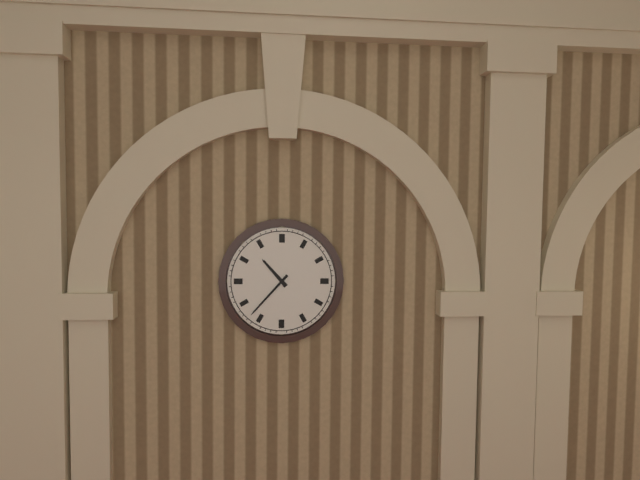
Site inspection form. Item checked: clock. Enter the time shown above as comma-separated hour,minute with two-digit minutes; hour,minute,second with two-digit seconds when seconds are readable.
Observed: 10,37
